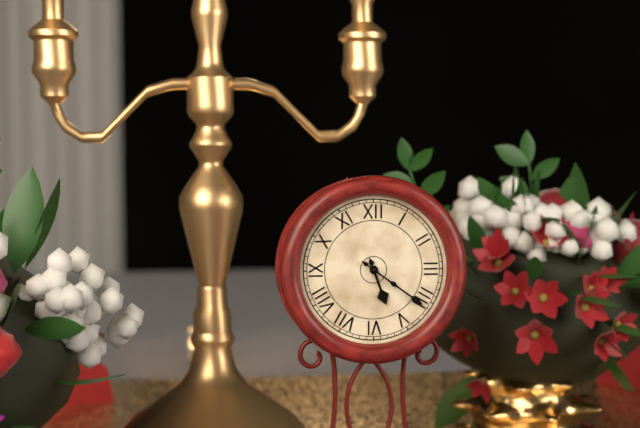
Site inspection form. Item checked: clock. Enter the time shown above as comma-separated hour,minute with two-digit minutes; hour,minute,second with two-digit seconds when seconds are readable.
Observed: 5,21
